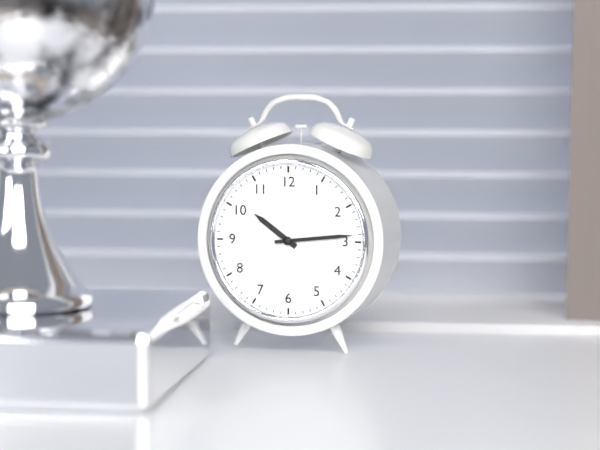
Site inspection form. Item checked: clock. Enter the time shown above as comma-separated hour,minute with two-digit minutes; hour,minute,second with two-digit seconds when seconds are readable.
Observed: 10,14
